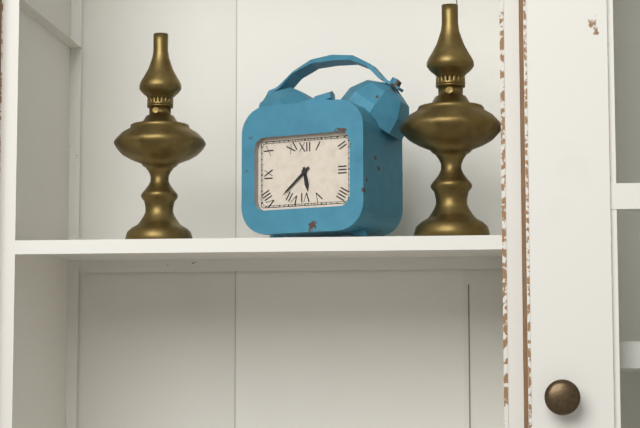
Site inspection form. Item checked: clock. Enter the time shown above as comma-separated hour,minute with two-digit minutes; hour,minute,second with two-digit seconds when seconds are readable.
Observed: 5,38
